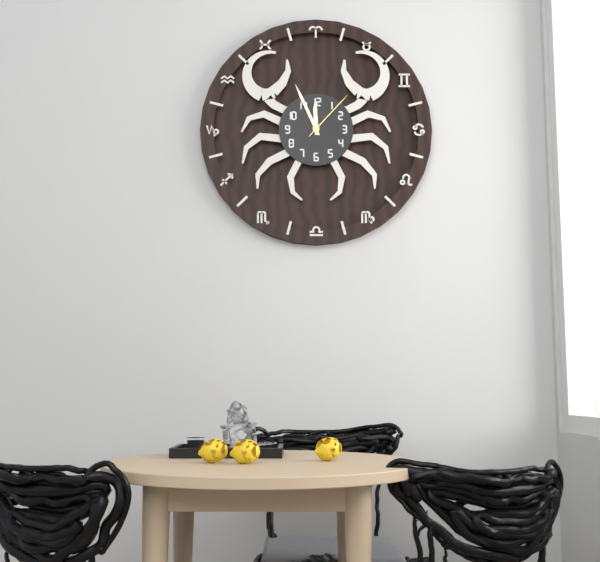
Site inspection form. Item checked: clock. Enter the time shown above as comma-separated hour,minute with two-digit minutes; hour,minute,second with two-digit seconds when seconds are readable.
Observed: 11,56,07
